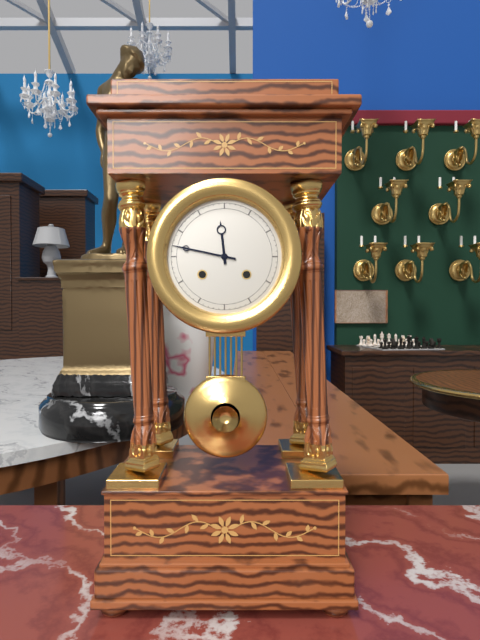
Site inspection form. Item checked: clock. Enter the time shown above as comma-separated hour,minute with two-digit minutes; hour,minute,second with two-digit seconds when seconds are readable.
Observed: 11,47
